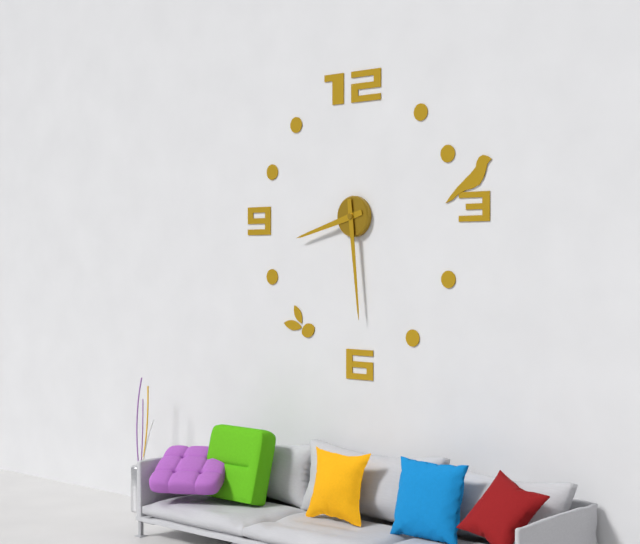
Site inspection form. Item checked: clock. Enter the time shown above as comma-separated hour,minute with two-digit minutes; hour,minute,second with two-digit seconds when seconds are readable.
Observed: 8,29
